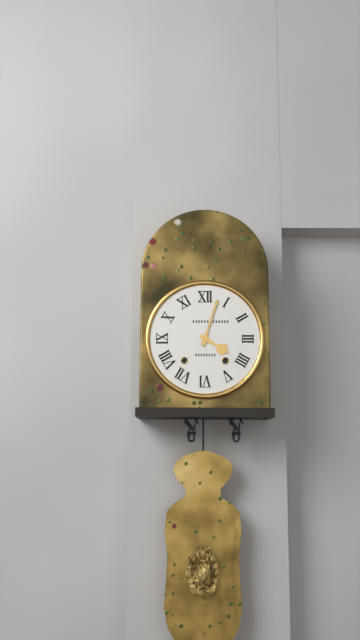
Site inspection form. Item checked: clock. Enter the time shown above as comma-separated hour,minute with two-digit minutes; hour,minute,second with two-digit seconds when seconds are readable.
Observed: 4,03
